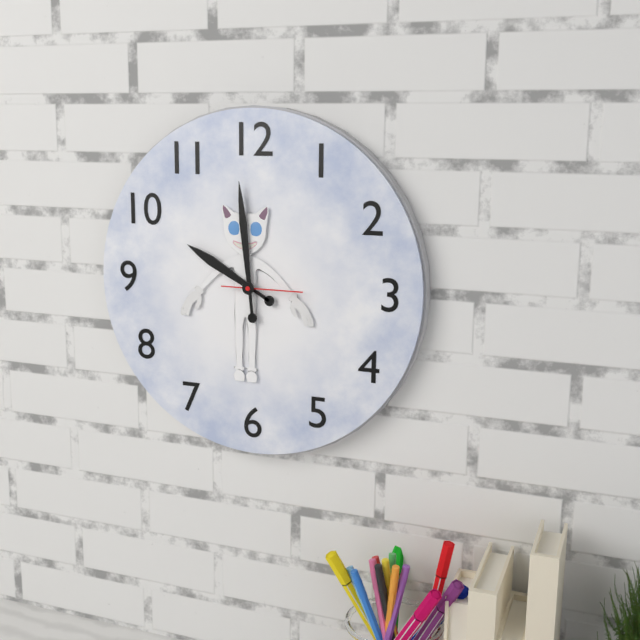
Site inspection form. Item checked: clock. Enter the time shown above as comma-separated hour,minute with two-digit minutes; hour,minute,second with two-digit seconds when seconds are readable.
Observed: 9,59,15
